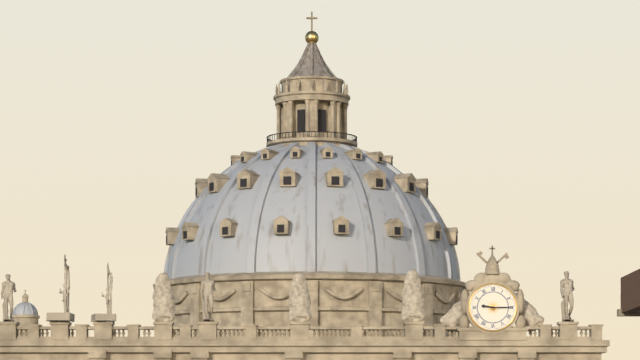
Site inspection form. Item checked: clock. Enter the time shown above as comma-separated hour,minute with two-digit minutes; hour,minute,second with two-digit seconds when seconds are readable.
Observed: 9,15
